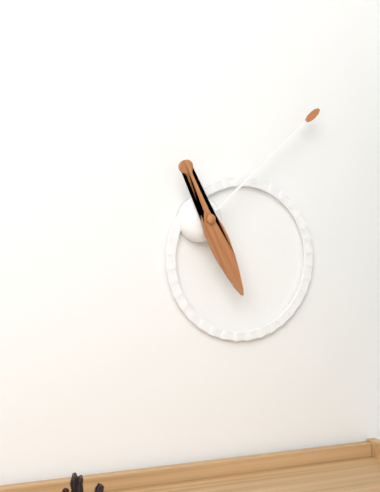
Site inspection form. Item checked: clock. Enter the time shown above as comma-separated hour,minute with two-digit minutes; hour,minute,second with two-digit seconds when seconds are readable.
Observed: 5,08
